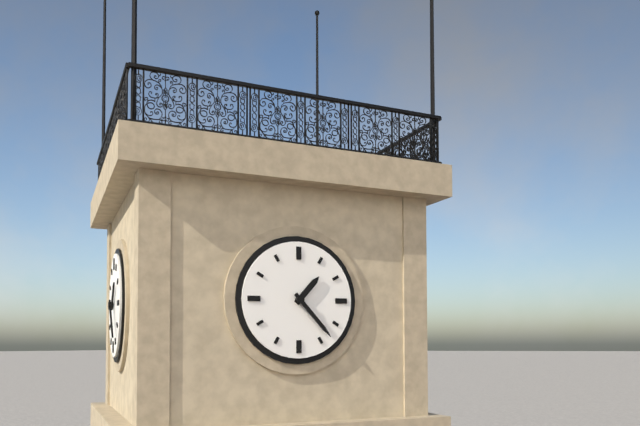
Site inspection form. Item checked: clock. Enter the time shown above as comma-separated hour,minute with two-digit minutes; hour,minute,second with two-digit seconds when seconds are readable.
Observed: 1,23
